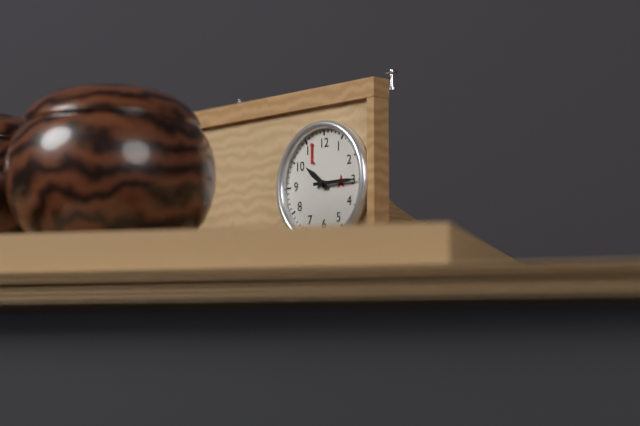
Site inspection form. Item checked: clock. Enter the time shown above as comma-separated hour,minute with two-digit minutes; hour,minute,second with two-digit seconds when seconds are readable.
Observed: 10,15
